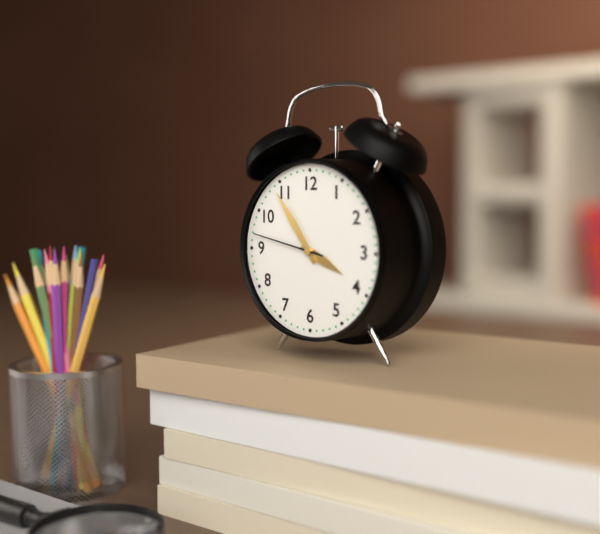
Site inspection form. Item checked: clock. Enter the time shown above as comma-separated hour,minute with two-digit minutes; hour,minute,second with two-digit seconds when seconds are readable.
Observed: 3,54,47
